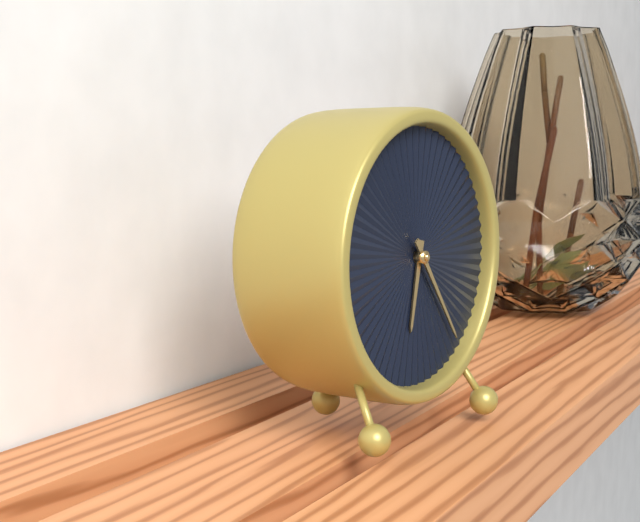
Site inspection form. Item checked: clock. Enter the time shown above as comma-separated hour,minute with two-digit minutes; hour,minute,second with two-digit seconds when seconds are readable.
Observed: 6,24
